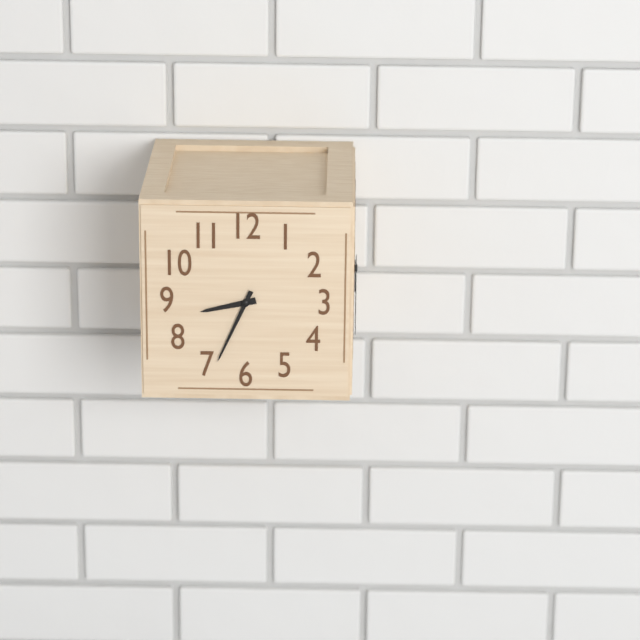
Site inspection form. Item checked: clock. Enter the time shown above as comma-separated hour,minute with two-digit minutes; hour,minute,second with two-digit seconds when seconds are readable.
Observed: 8,34
